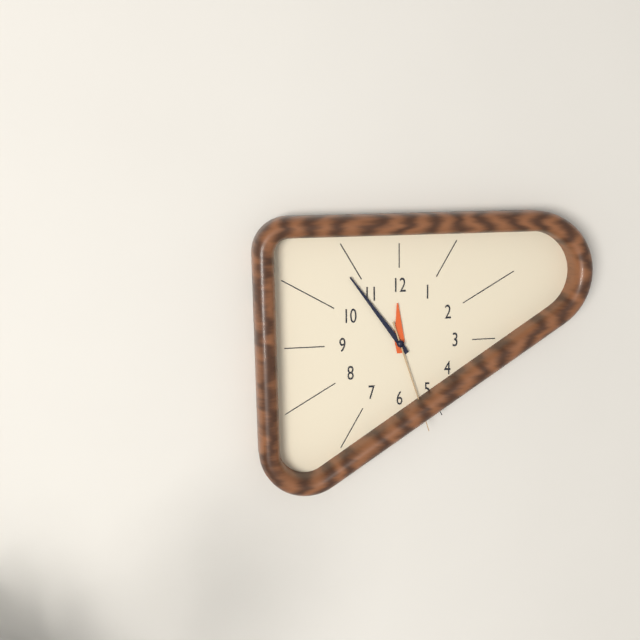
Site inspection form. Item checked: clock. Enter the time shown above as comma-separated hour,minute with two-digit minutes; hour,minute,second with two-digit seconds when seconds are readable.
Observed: 11,54,27
